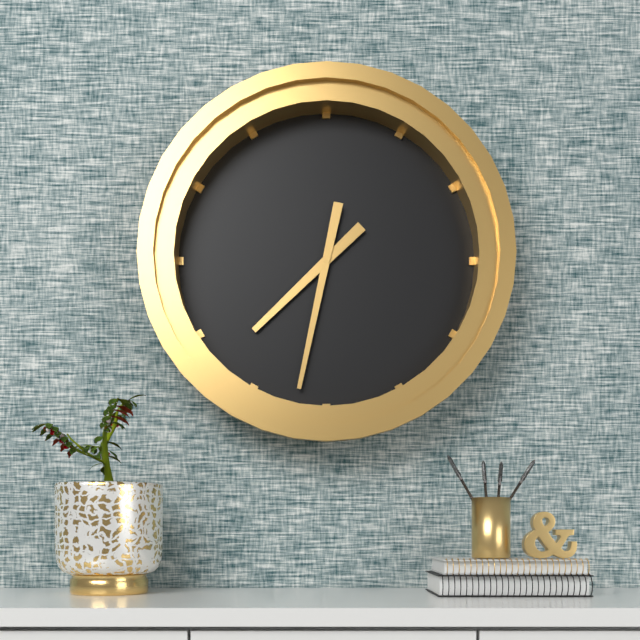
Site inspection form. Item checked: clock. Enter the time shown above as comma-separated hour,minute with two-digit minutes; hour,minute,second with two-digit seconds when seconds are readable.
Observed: 7,32
